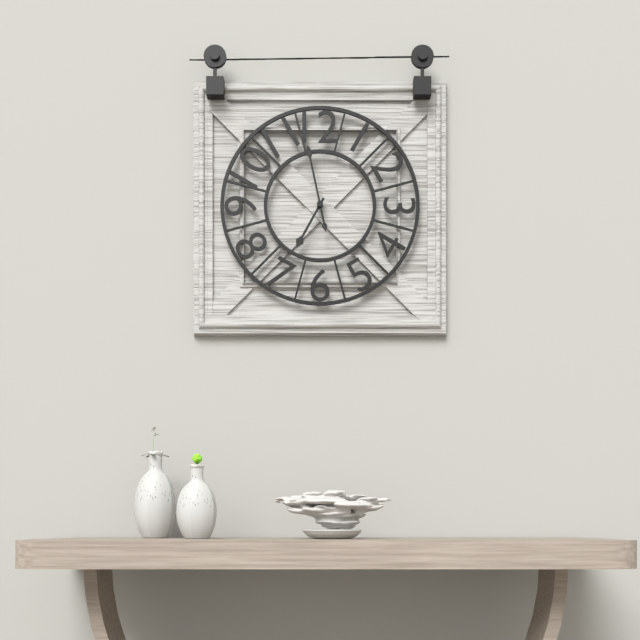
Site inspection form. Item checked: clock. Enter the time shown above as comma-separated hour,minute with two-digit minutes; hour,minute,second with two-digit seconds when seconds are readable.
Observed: 6,58
